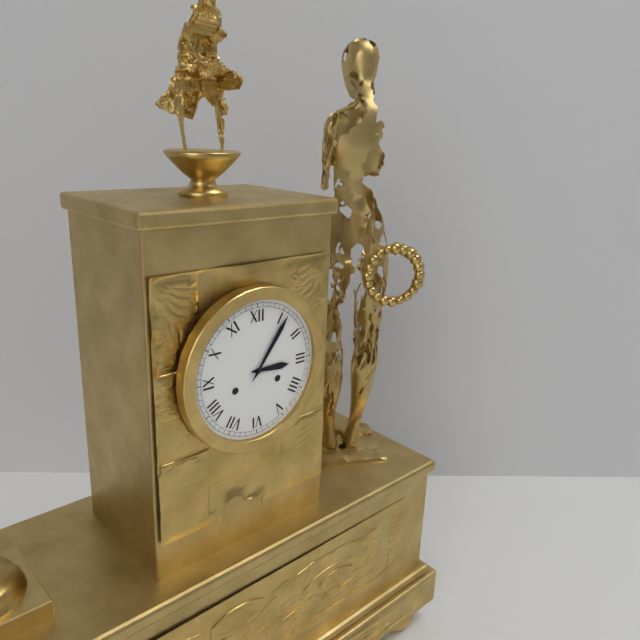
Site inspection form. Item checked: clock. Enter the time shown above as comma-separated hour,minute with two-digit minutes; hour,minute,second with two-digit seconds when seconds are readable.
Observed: 3,06
